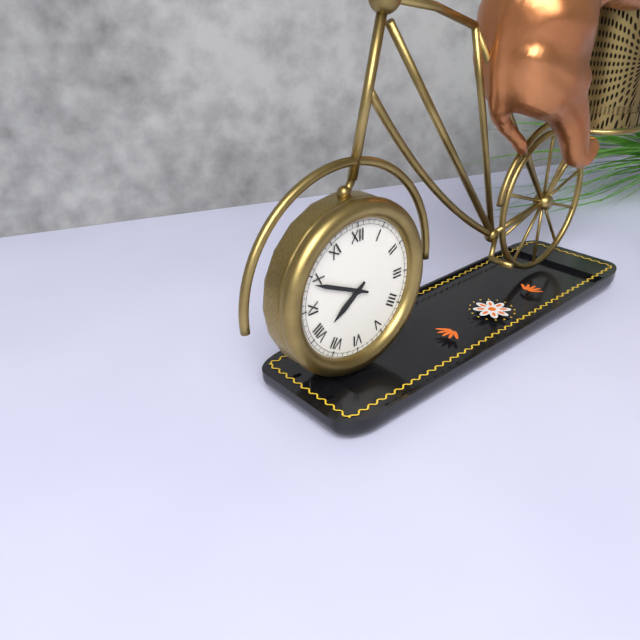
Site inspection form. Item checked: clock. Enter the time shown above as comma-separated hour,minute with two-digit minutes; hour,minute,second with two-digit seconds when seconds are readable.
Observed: 7,49
